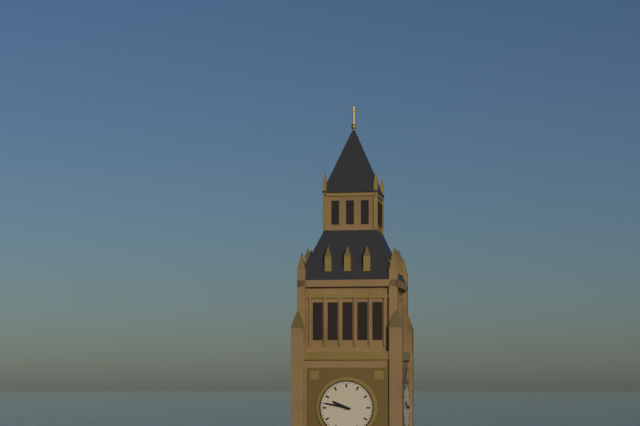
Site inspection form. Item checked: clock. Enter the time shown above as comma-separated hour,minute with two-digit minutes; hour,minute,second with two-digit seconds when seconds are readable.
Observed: 9,47
